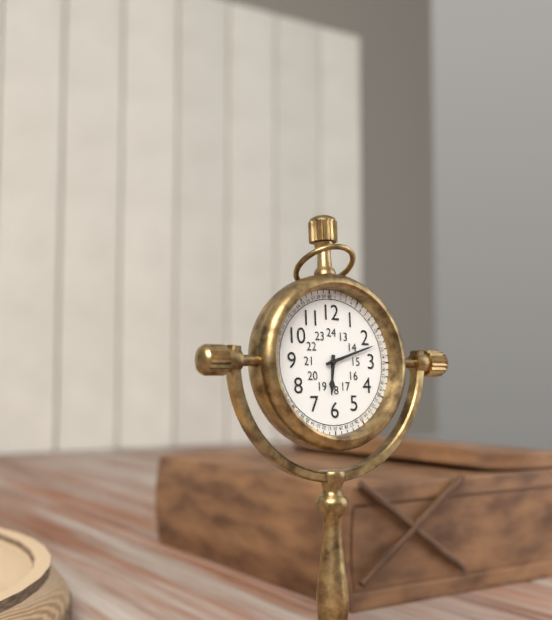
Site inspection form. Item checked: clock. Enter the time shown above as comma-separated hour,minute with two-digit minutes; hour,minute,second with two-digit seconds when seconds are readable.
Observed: 6,12
